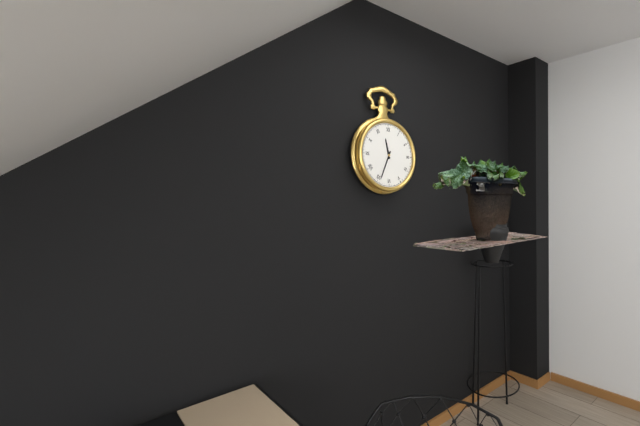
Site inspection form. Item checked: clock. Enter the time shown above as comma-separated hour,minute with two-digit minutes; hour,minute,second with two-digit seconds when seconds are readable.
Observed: 11,34
